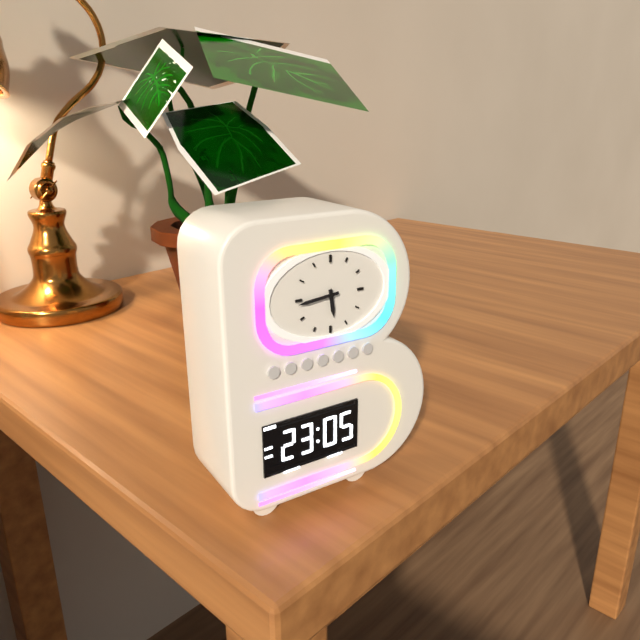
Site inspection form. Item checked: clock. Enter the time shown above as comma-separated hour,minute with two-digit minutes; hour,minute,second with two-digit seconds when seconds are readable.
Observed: 5,44
